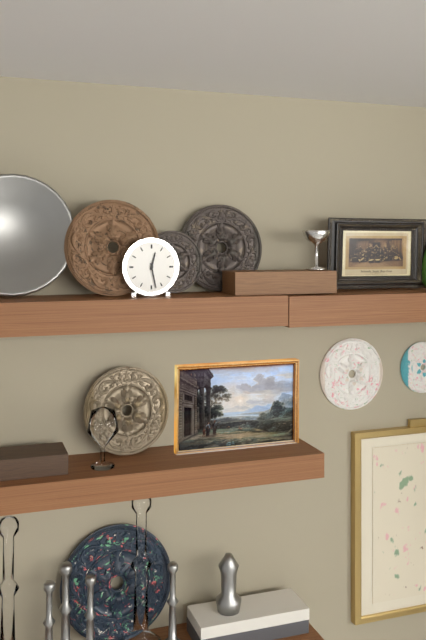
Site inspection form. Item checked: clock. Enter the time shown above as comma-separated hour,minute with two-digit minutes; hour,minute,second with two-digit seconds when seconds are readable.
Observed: 12,28
